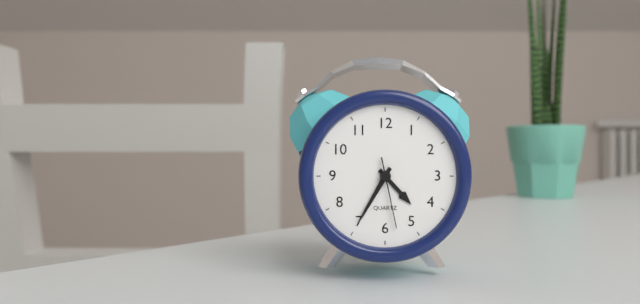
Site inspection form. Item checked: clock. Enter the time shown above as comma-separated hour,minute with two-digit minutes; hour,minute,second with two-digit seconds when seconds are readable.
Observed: 4,35,28
